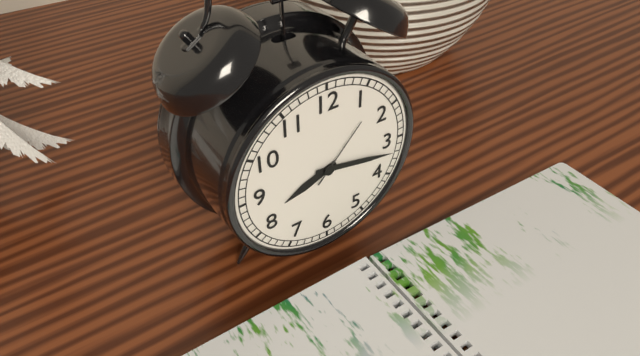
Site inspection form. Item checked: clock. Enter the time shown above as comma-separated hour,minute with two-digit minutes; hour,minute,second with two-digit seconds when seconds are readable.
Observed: 8,17,07
